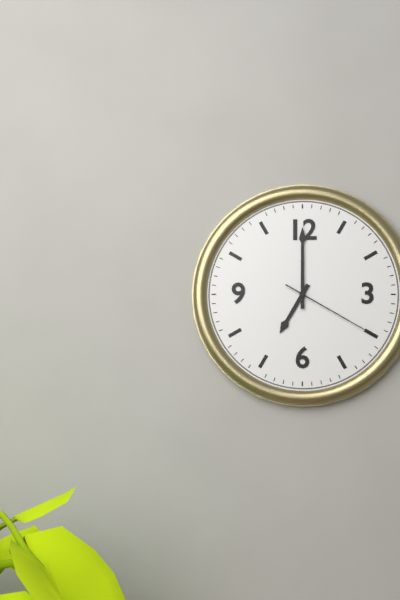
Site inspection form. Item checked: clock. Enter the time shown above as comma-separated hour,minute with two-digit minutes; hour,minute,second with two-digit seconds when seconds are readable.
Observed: 7,00,20
